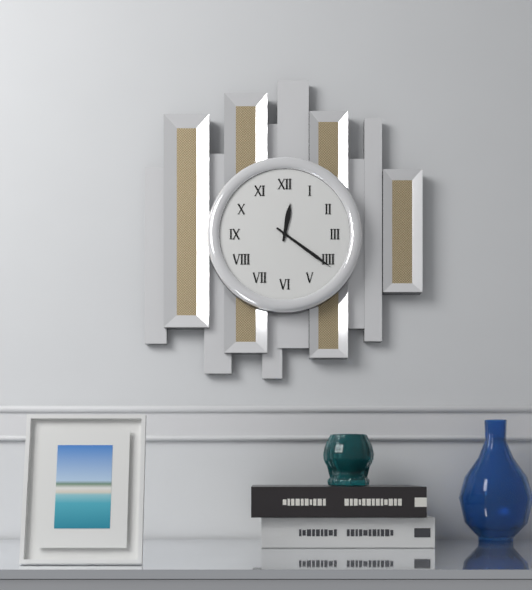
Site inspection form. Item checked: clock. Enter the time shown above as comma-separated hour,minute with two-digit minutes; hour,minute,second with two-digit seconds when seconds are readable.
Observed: 12,21
